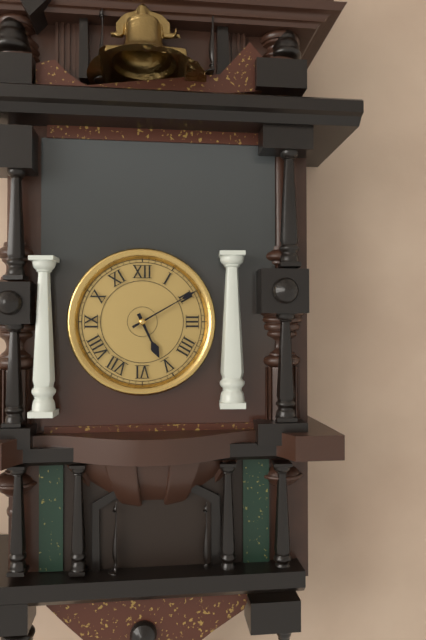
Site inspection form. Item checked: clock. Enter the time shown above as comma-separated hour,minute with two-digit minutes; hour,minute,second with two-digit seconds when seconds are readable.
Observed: 5,10
